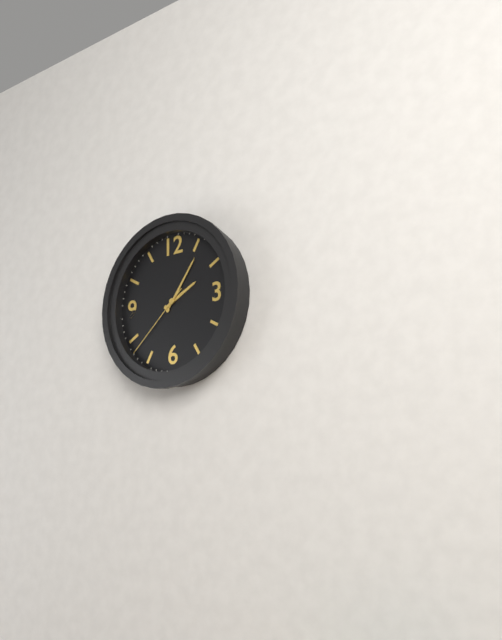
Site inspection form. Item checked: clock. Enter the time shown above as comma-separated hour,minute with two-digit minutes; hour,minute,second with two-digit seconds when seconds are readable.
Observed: 2,06,38
